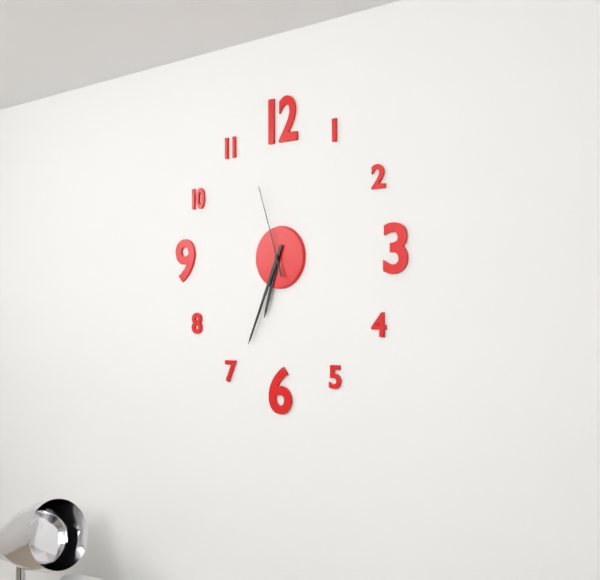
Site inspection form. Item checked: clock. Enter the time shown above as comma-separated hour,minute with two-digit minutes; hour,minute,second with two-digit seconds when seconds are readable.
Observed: 6,34,57
